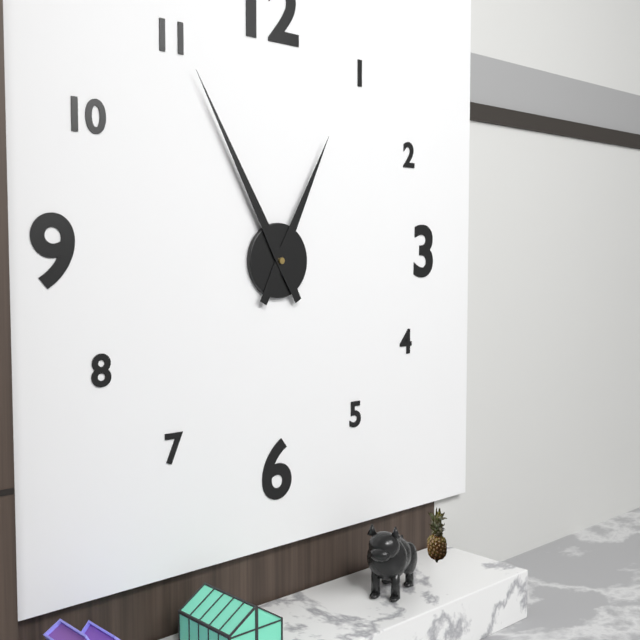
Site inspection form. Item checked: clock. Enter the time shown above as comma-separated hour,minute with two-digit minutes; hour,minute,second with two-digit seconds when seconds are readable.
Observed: 12,55
